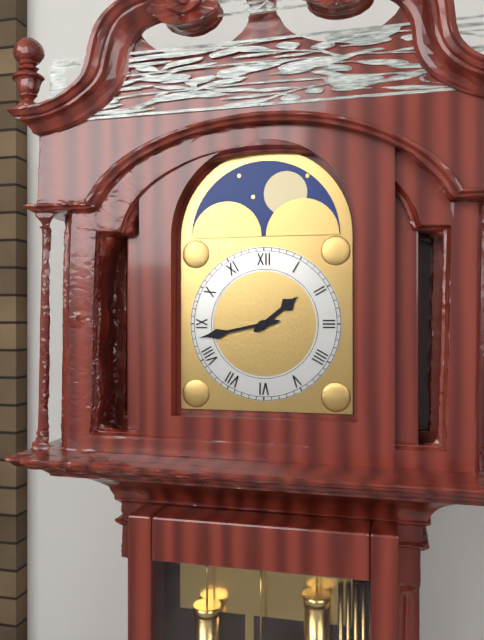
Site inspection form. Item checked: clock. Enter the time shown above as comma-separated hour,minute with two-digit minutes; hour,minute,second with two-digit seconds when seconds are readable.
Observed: 1,43
